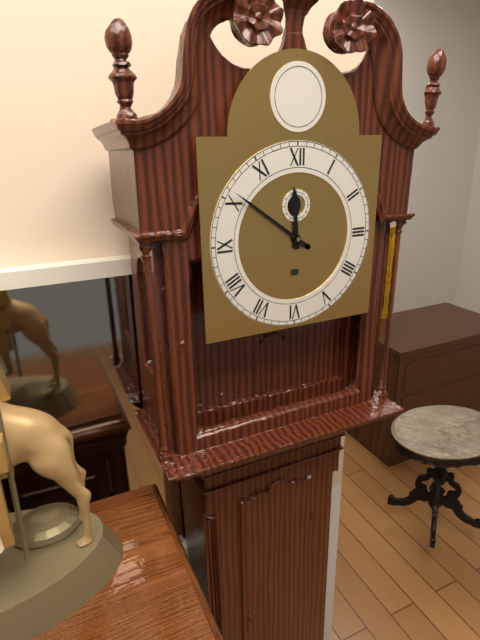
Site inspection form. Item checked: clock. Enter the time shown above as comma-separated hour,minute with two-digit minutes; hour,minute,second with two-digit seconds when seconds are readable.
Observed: 11,51
